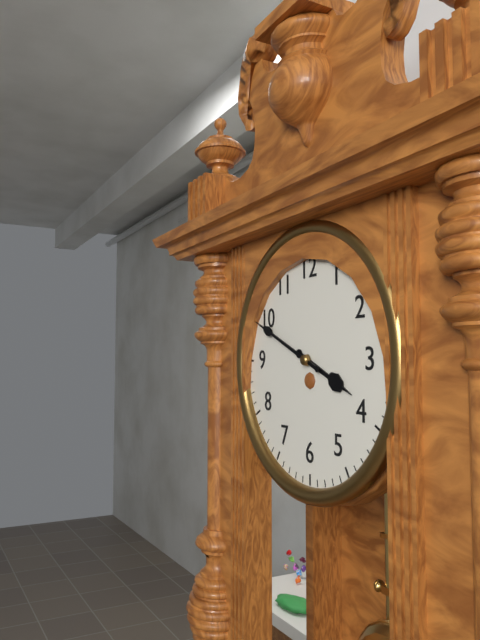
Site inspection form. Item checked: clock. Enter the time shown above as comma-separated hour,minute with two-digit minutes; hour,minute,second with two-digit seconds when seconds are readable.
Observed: 3,49
